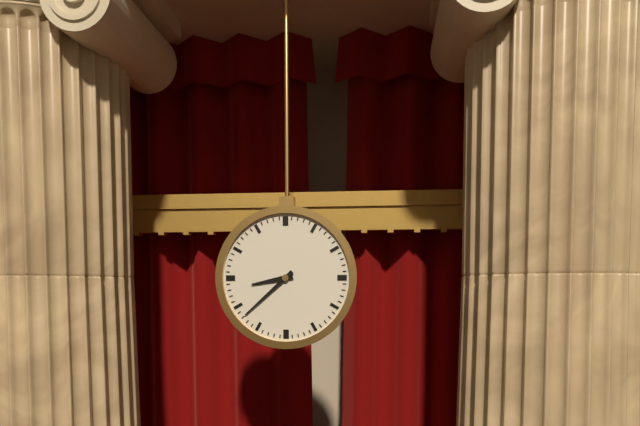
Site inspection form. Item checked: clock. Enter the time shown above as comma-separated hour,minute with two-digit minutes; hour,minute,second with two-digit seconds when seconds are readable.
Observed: 8,38
